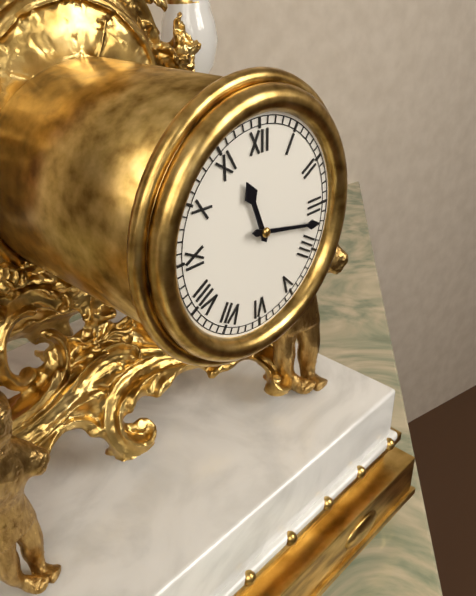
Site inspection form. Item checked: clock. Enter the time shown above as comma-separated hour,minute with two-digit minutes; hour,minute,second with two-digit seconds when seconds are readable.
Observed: 11,17
